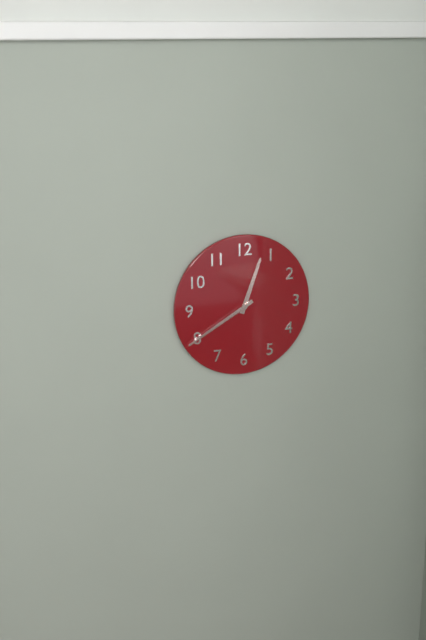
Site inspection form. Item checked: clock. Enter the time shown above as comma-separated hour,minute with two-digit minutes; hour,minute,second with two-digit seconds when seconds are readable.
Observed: 12,40
